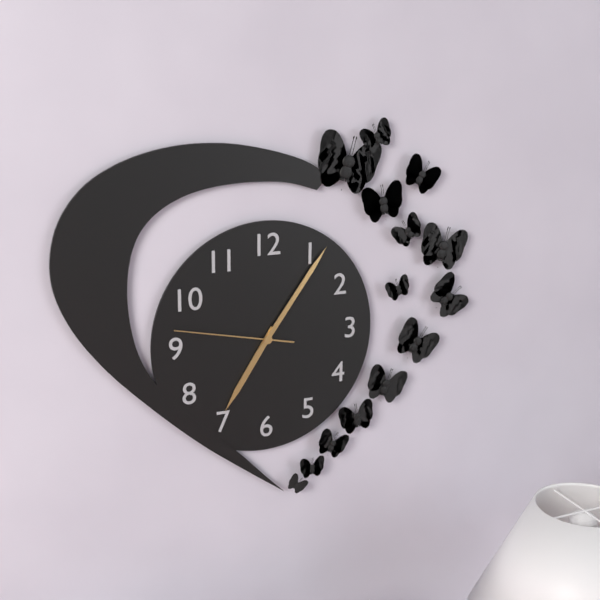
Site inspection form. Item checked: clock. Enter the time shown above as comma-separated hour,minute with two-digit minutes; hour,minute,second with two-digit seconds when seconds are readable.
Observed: 7,06,47
